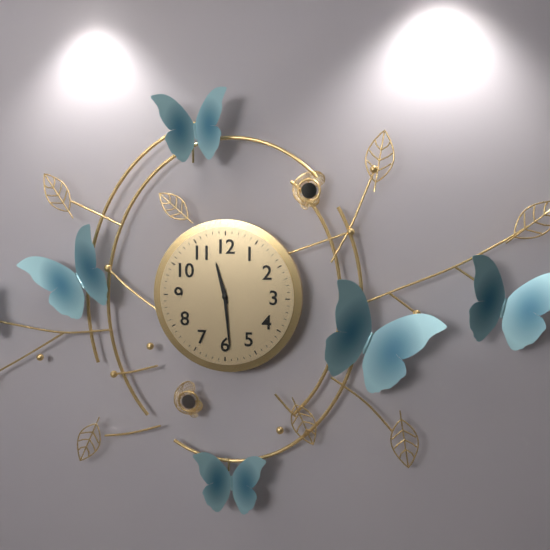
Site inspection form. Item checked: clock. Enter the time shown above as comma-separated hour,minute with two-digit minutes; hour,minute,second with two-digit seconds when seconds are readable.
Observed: 11,29
